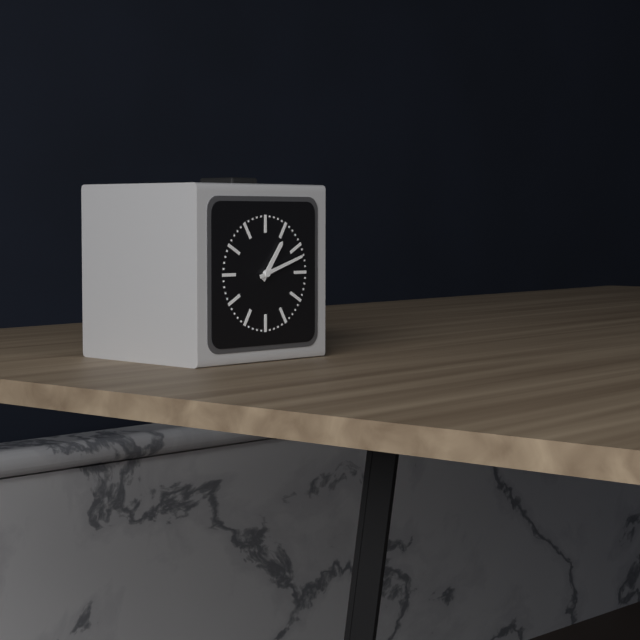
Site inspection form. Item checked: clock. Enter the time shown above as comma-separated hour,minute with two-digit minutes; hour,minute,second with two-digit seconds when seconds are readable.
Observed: 1,12
